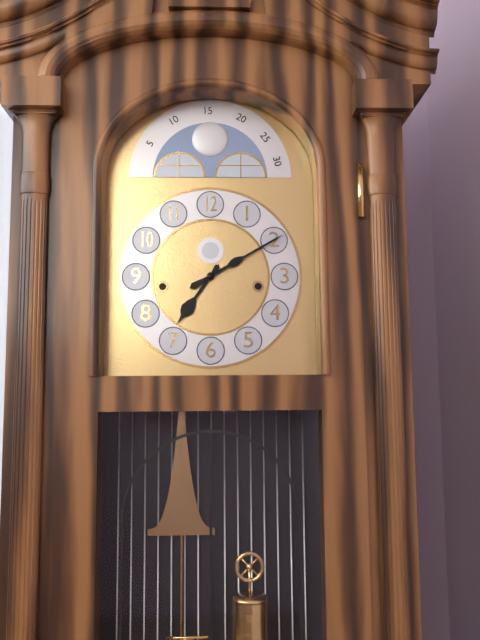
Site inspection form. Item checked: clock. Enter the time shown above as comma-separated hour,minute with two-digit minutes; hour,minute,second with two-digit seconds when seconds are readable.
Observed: 7,10
